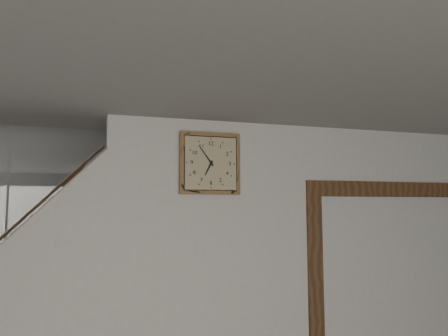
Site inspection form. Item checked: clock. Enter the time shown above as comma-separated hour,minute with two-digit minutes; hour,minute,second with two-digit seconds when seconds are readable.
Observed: 6,54
